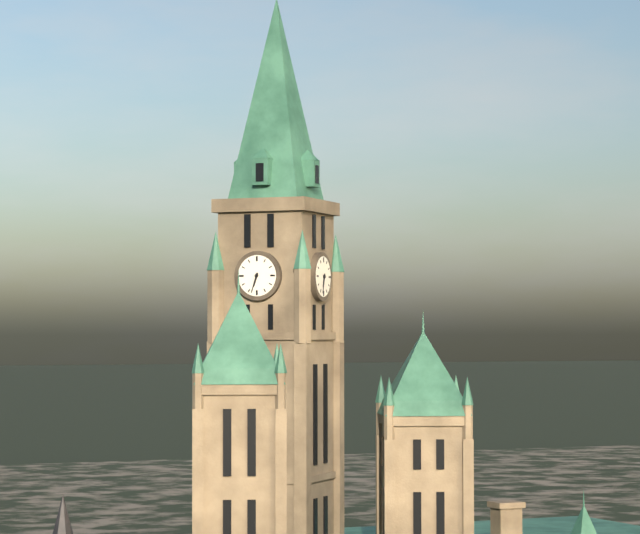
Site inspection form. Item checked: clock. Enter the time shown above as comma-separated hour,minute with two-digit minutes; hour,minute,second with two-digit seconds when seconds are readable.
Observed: 6,33
